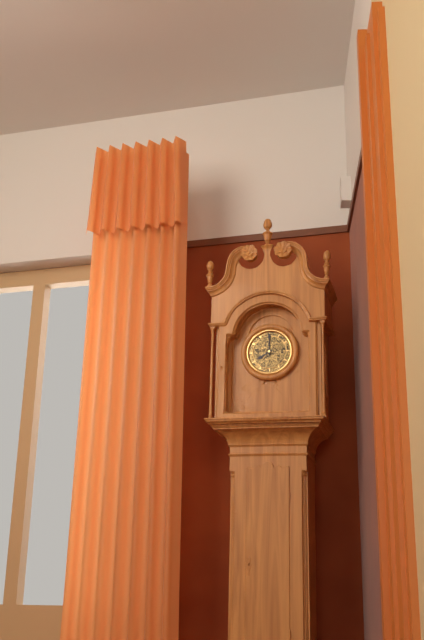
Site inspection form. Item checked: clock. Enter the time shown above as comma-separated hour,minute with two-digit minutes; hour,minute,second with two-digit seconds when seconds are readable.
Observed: 8,00
